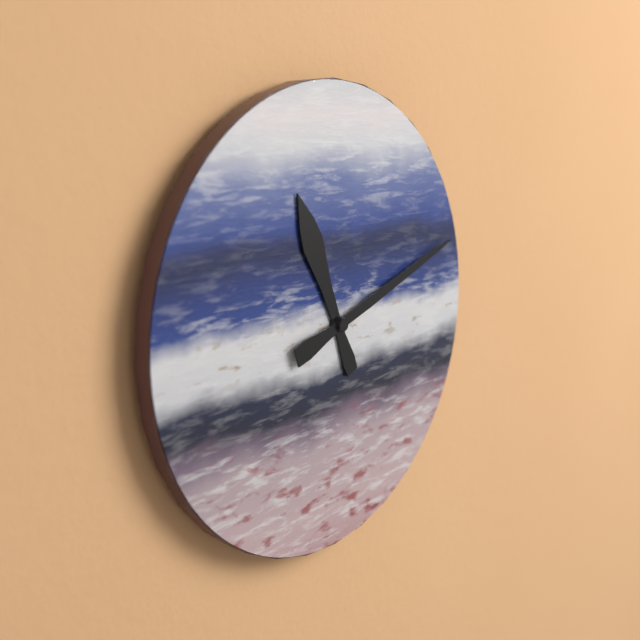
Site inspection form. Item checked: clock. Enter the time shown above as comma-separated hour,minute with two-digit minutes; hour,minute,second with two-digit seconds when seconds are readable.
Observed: 11,12
